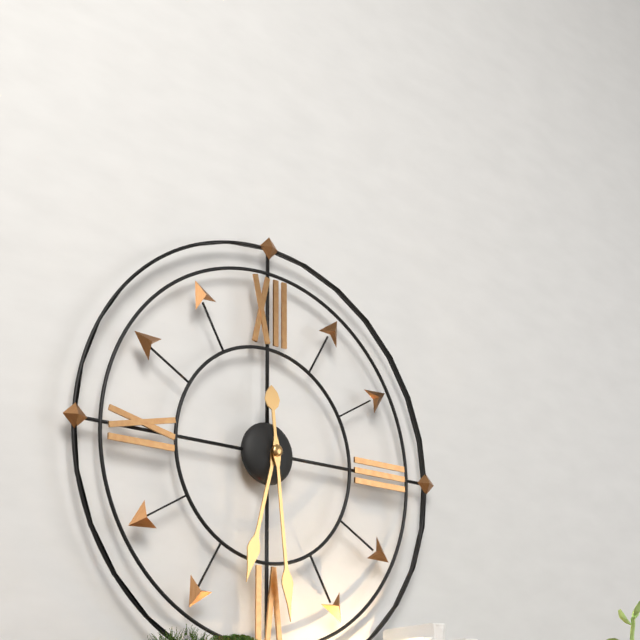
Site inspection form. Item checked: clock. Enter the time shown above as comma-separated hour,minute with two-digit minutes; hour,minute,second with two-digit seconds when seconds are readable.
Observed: 6,29
